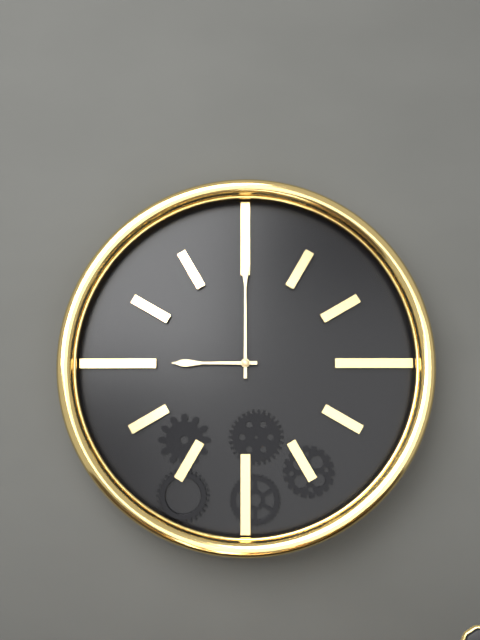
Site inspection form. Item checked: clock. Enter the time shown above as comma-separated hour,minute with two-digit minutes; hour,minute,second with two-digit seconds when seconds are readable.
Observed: 9,00
